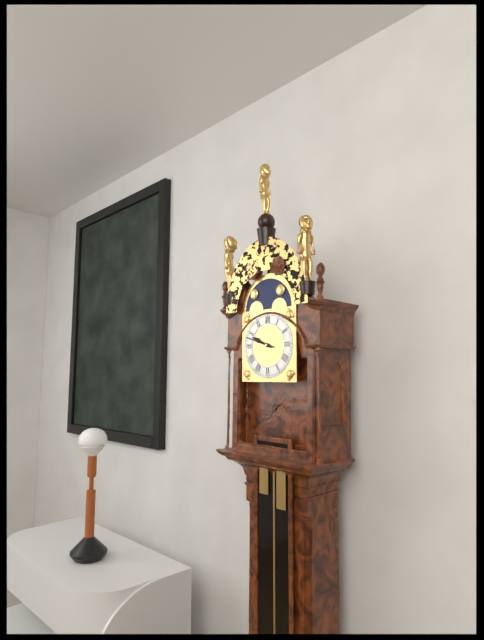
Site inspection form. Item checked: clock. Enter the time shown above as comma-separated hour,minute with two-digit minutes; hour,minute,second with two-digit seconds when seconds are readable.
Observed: 9,48
